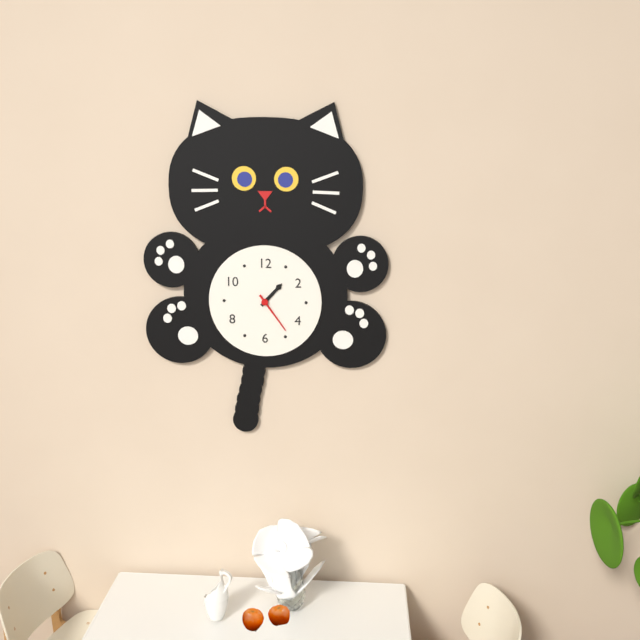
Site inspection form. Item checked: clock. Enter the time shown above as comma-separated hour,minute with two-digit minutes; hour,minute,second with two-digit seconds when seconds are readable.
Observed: 1,24
